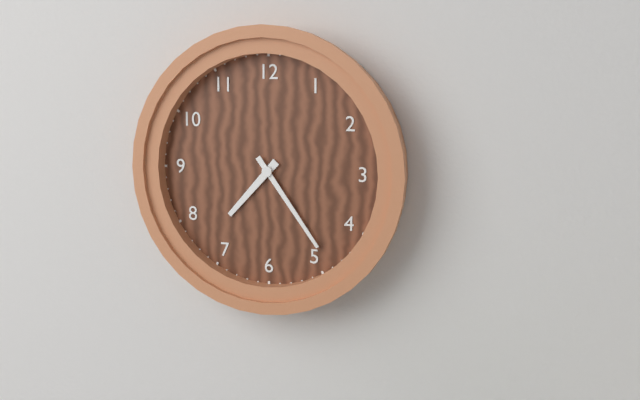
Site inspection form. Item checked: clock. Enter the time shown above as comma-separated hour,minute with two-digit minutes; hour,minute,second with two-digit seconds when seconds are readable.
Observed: 7,24
